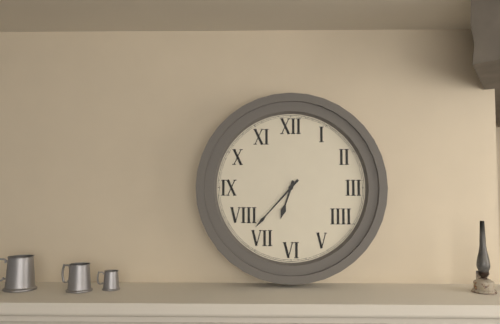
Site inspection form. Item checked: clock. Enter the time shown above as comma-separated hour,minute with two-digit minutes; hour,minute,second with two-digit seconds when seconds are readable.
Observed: 6,37
